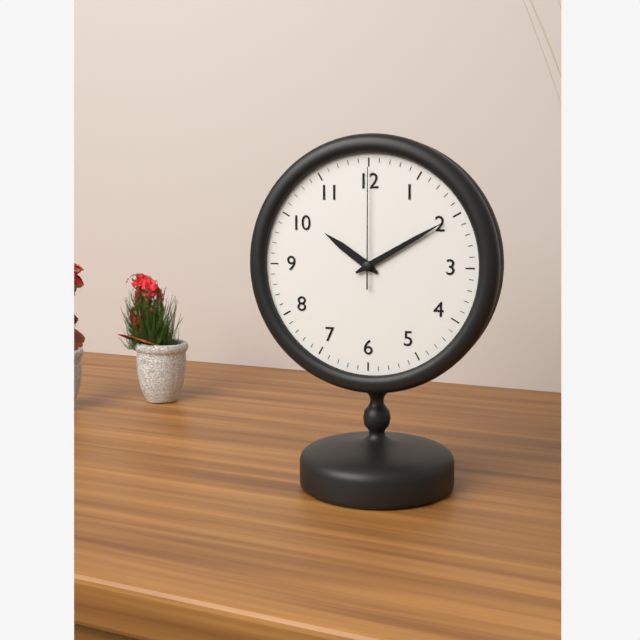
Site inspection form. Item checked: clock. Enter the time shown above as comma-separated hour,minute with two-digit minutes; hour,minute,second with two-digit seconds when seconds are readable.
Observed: 10,10,00
